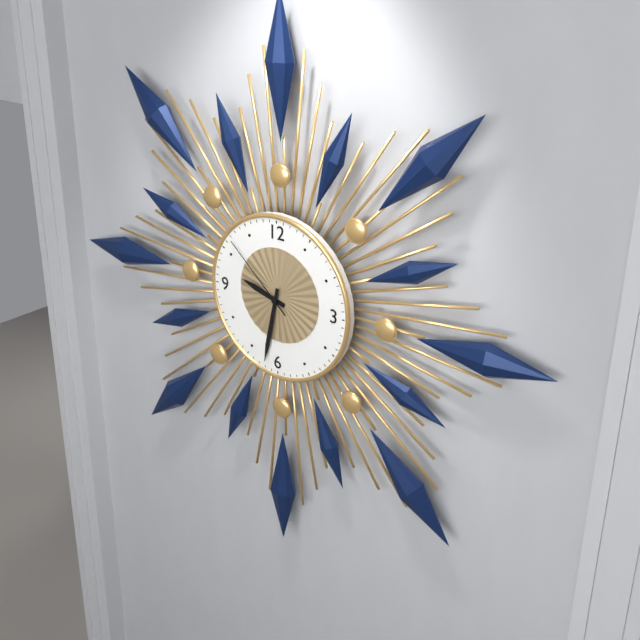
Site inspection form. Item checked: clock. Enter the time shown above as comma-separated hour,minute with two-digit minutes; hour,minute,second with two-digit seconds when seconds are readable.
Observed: 9,32,52
